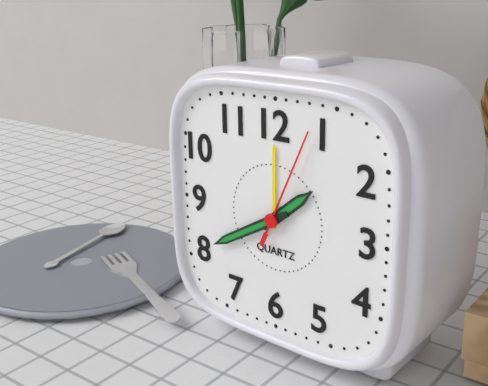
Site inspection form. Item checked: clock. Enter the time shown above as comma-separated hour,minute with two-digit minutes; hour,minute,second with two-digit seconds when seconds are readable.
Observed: 1,40,04
